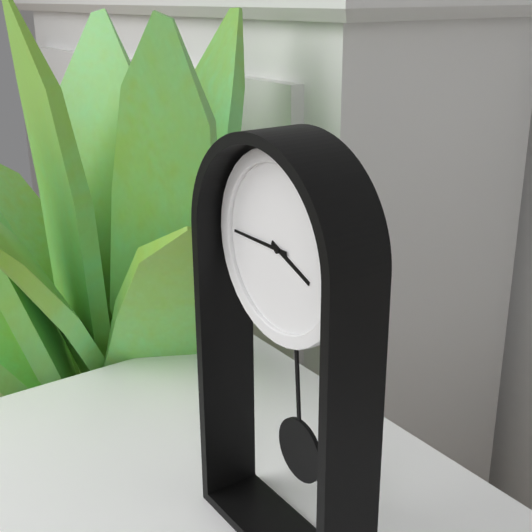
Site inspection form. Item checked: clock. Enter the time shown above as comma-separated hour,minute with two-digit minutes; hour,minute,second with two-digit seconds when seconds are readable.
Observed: 3,45
